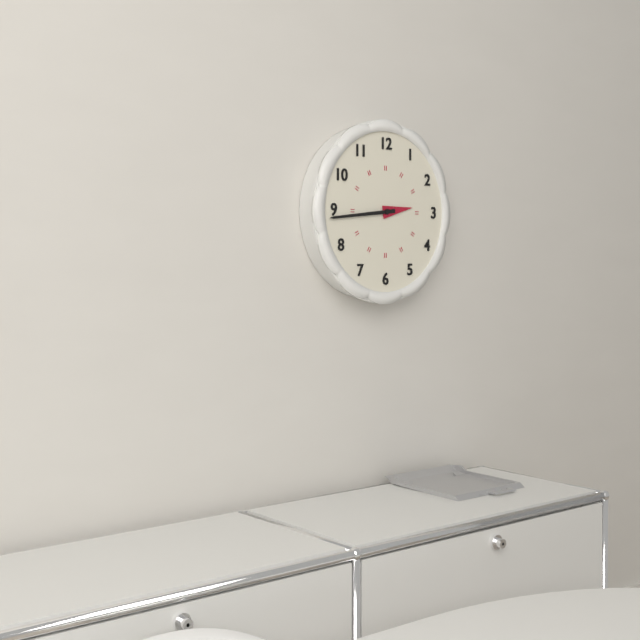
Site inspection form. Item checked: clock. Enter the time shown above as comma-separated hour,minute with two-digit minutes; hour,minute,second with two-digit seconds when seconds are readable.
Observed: 2,44
